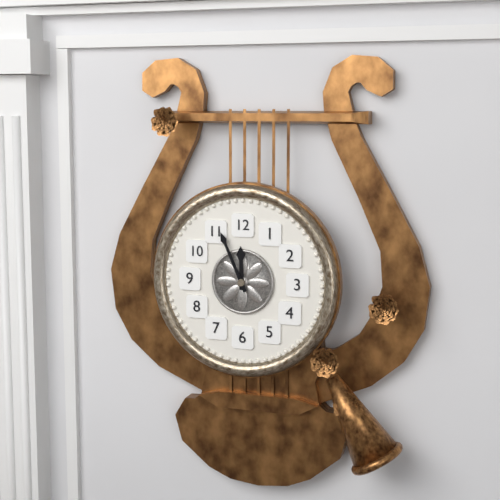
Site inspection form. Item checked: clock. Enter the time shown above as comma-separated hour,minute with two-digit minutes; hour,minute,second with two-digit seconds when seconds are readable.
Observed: 11,56
